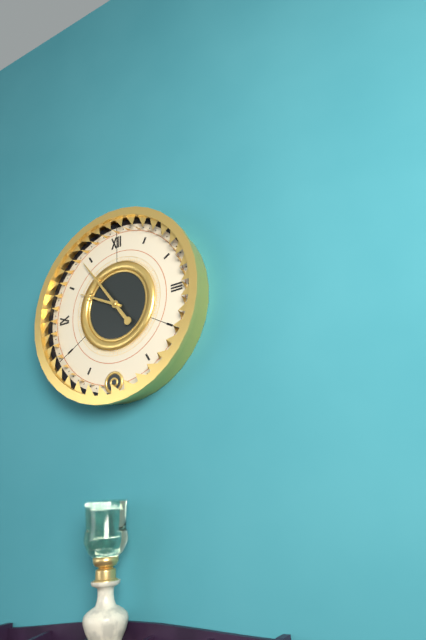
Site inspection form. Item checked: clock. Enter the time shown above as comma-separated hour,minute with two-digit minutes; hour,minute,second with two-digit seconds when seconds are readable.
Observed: 9,54
